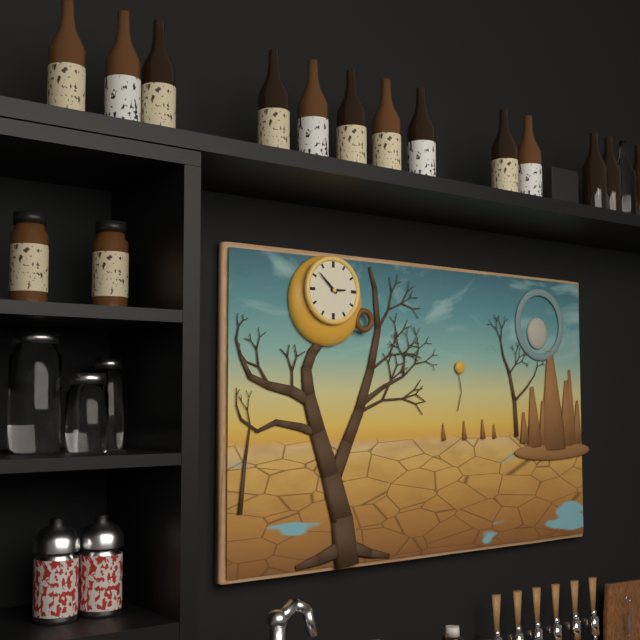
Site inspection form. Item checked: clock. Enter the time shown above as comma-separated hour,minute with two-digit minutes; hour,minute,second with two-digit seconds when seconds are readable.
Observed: 2,52
